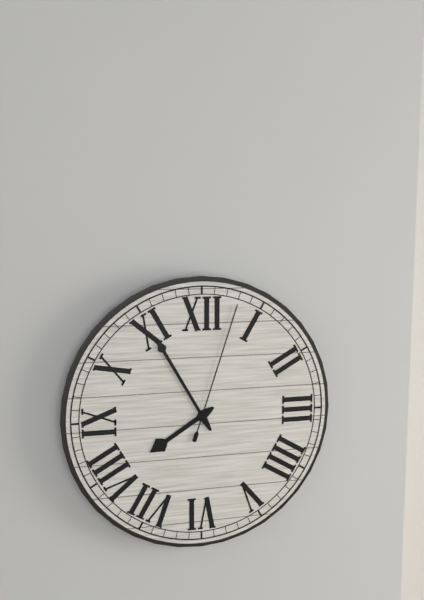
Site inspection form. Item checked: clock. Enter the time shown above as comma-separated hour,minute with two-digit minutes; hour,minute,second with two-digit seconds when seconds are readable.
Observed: 7,55,03
